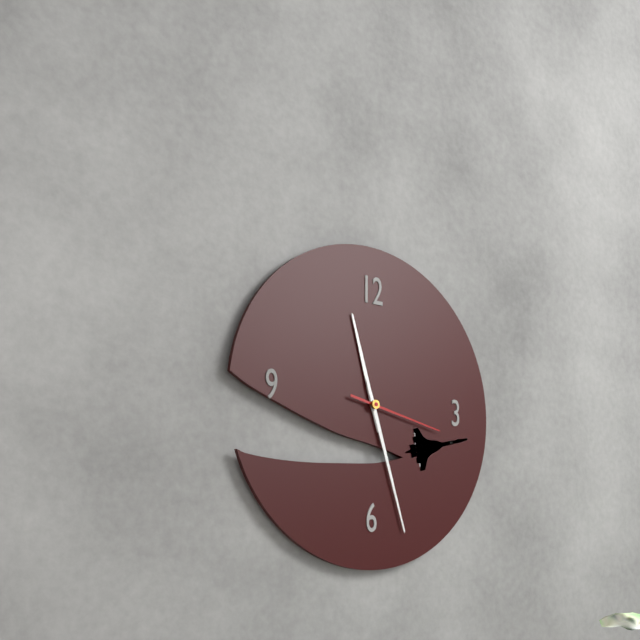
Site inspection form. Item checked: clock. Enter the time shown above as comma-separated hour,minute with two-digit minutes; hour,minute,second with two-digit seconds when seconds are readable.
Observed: 11,27,17
